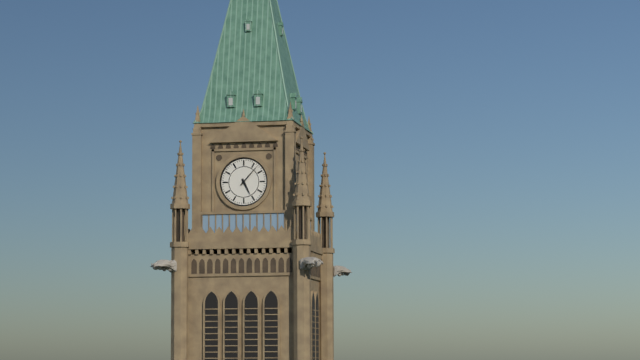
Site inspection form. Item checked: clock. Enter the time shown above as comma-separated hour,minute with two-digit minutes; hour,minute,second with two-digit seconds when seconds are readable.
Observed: 5,07
